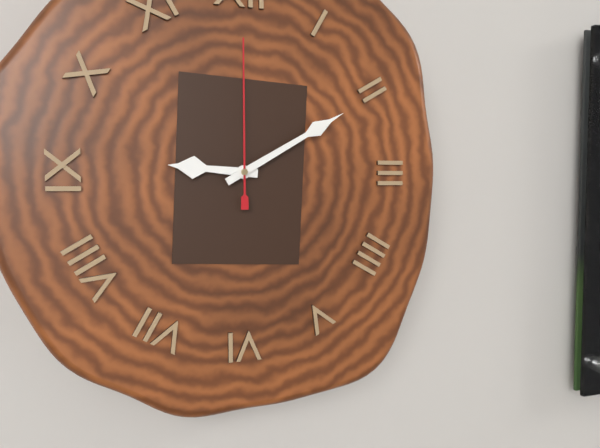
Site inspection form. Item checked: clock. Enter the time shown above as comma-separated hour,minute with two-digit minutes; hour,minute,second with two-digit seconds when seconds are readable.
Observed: 9,10,00
